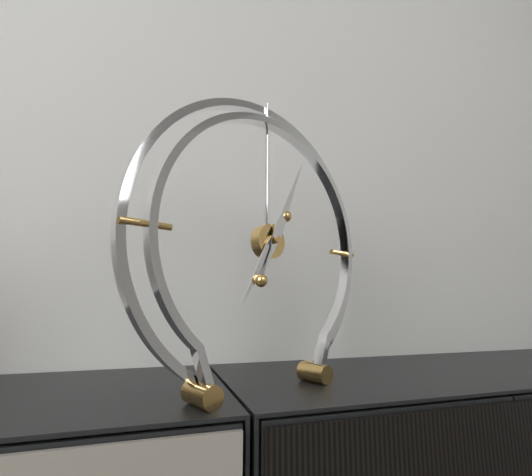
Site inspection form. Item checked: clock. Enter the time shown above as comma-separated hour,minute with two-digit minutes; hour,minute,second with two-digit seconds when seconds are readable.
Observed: 7,04
